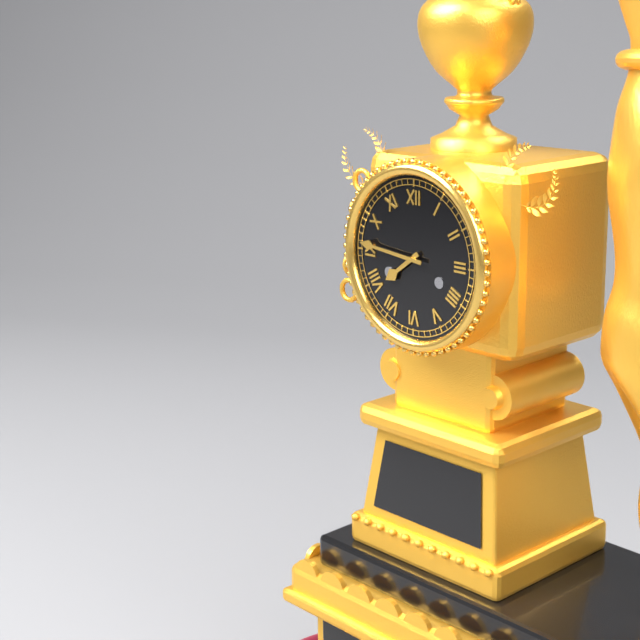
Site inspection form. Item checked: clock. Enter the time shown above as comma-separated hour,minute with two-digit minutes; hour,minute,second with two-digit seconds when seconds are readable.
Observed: 7,46
